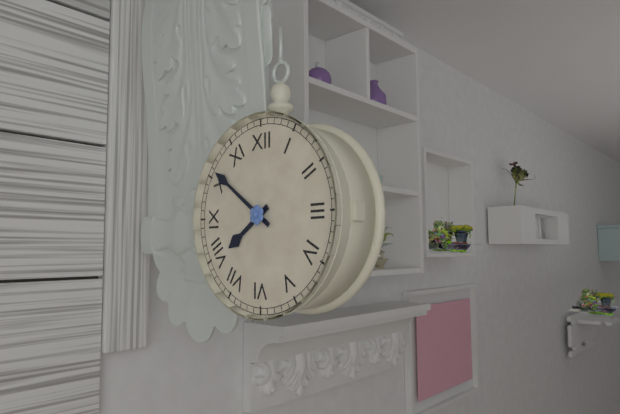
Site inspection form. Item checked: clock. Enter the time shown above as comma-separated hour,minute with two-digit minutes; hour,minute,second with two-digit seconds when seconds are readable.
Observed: 7,51
